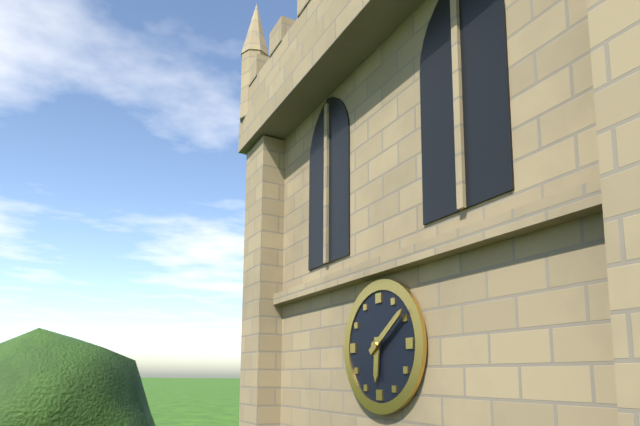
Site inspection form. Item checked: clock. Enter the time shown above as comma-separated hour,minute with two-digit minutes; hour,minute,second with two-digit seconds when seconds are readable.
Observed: 6,09
